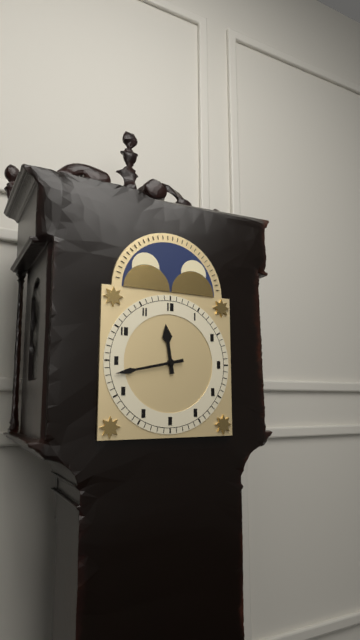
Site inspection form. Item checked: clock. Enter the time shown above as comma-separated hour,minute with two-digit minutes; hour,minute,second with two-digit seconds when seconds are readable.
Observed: 11,43
